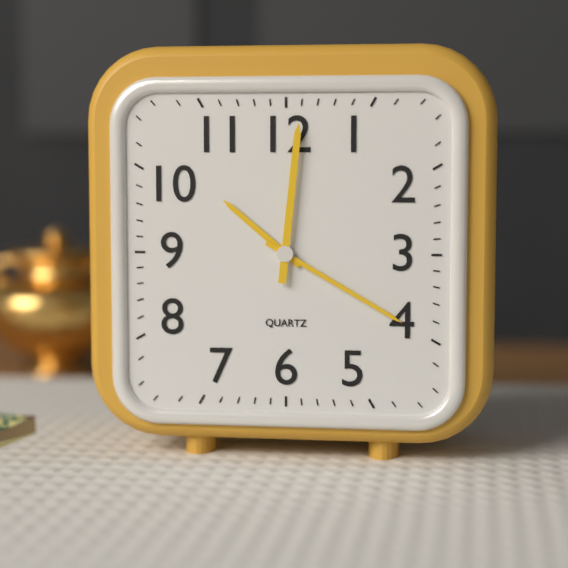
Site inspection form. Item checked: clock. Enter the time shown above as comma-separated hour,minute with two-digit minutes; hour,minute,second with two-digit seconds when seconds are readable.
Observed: 10,20,01
